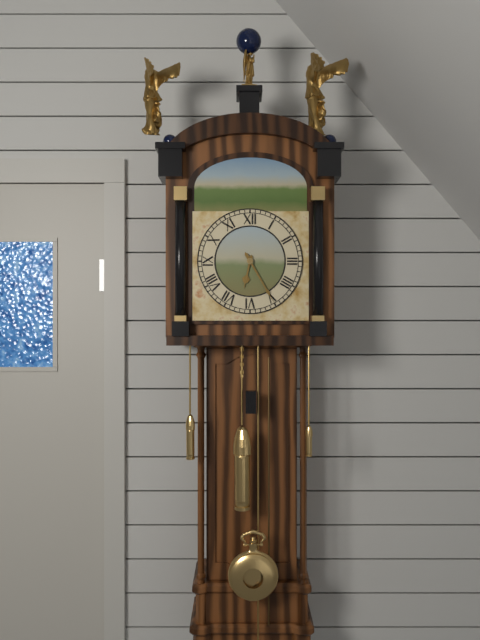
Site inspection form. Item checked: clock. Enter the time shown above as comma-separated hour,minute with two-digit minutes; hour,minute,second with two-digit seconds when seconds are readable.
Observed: 6,25
